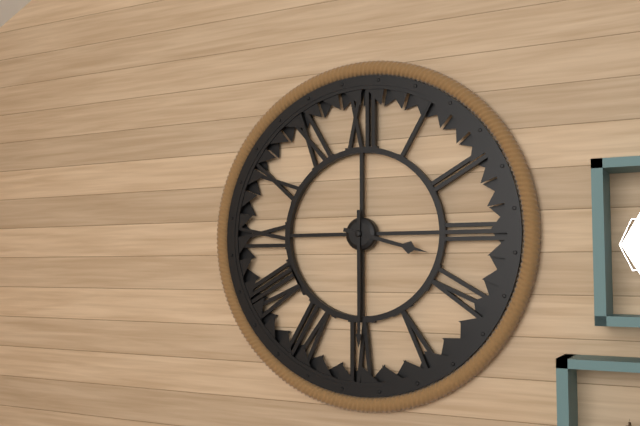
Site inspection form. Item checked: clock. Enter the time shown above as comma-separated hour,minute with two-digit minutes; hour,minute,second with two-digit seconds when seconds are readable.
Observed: 3,30
